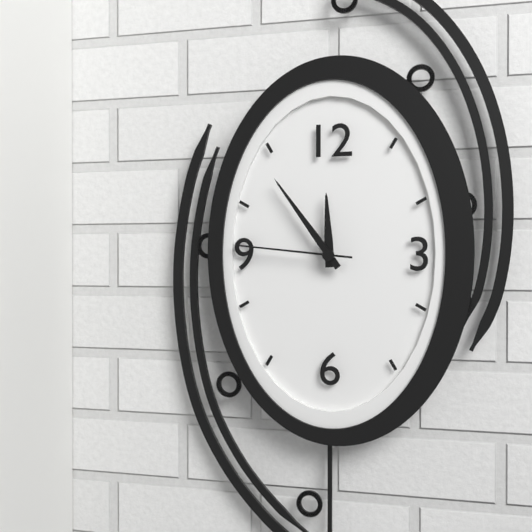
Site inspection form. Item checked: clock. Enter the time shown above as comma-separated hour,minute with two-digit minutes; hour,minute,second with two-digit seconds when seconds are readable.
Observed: 11,54,46
